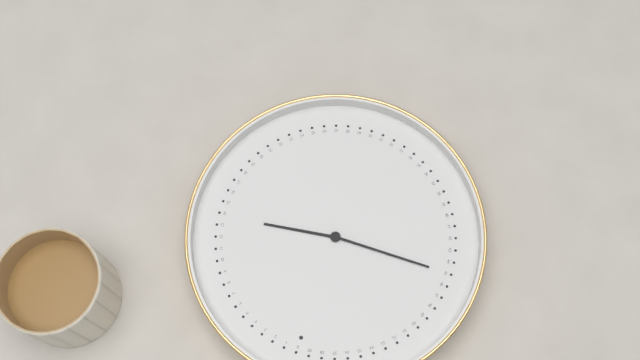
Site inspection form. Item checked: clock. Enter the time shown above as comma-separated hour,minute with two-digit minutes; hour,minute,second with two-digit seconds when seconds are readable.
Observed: 2,45
